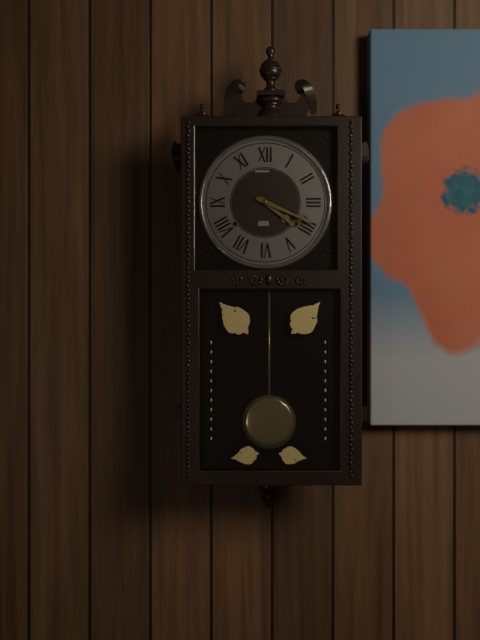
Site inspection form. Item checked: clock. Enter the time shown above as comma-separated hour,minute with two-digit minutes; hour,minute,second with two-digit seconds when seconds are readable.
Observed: 4,19
